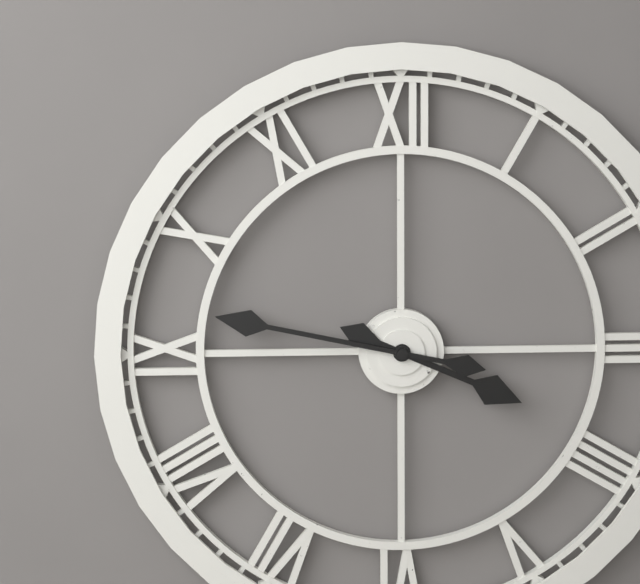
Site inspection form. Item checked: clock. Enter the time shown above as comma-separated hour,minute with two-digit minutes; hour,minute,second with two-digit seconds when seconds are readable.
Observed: 3,47
